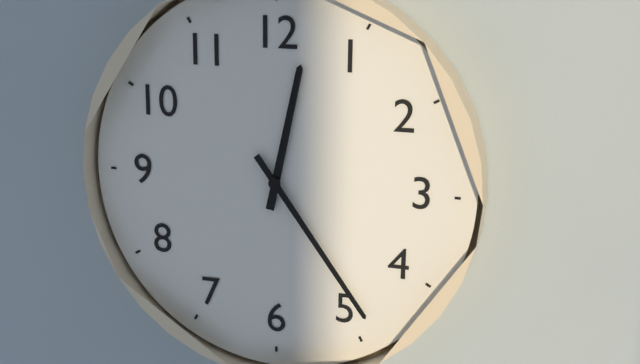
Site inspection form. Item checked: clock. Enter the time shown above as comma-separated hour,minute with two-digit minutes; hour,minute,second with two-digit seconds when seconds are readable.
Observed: 12,24
